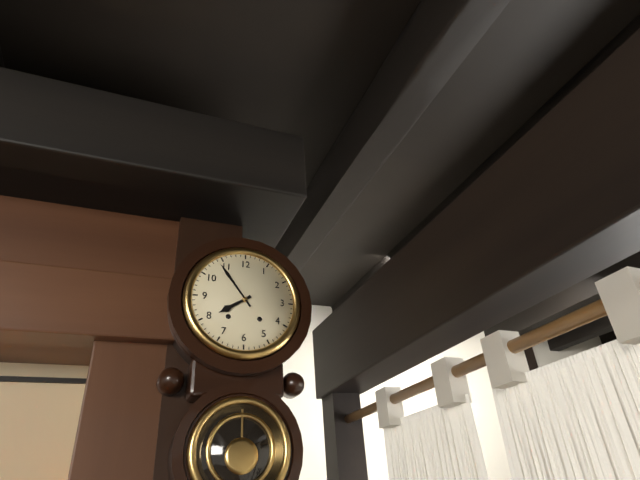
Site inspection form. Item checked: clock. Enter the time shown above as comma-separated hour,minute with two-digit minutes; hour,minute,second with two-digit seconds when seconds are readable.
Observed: 7,54
